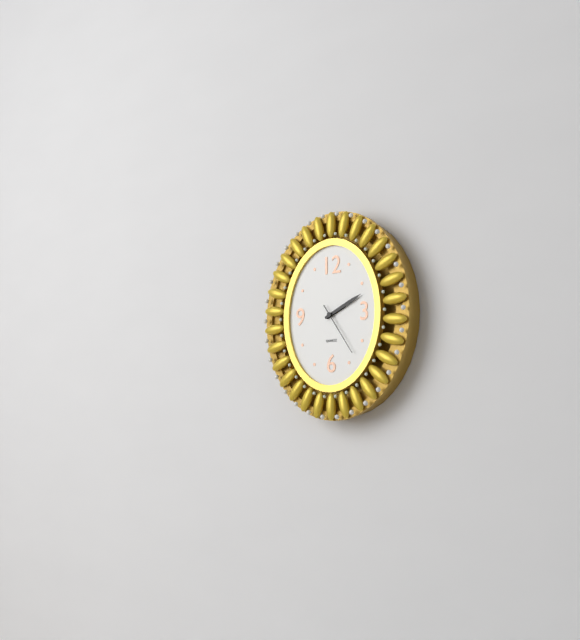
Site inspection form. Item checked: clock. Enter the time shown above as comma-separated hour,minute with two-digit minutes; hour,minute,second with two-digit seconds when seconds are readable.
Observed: 2,11,24
